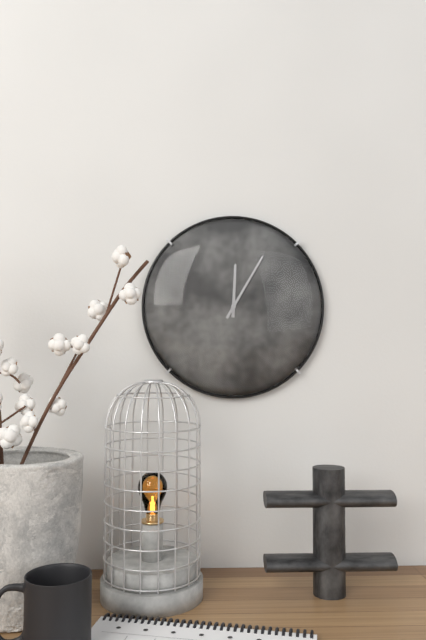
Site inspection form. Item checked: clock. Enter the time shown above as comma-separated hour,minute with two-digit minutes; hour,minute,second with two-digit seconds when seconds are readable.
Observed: 12,05
